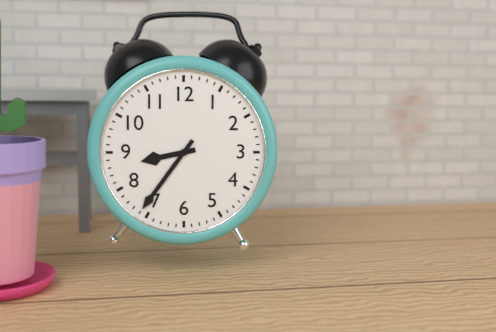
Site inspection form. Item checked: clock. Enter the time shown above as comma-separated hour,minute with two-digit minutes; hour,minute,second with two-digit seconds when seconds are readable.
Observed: 8,36
